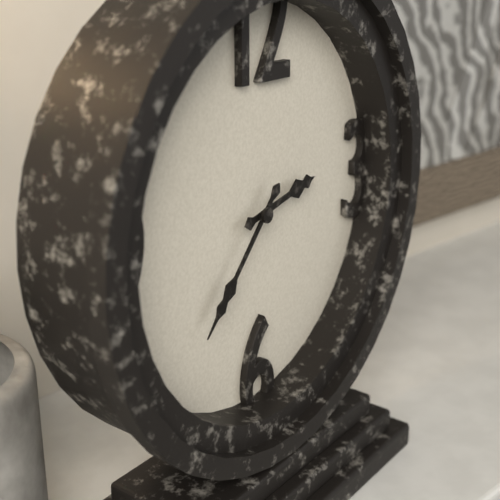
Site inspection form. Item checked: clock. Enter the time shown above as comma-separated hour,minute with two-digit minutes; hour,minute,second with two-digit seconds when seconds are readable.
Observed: 2,37
